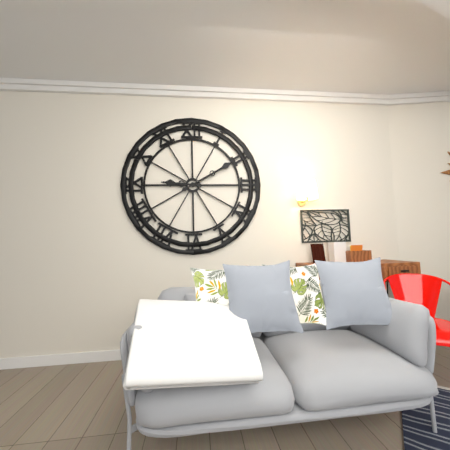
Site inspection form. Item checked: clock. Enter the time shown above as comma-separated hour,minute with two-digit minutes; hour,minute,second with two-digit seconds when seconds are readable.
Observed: 9,10
